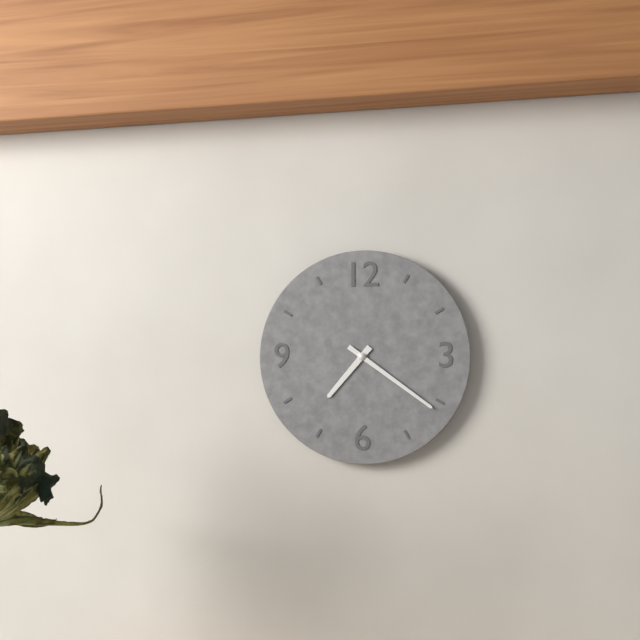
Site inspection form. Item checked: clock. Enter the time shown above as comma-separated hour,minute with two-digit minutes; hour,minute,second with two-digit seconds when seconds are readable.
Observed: 7,21
